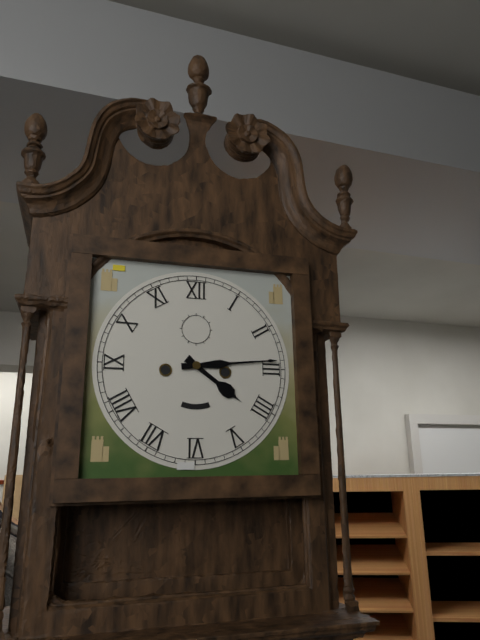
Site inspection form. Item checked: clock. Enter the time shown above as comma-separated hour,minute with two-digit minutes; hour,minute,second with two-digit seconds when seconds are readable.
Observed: 4,14
